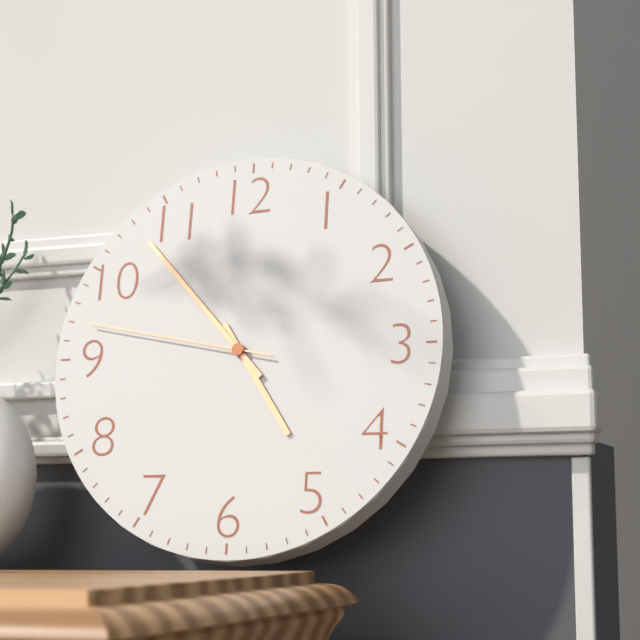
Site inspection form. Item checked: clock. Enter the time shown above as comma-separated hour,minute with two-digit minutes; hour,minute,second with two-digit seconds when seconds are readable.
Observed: 4,53,47
